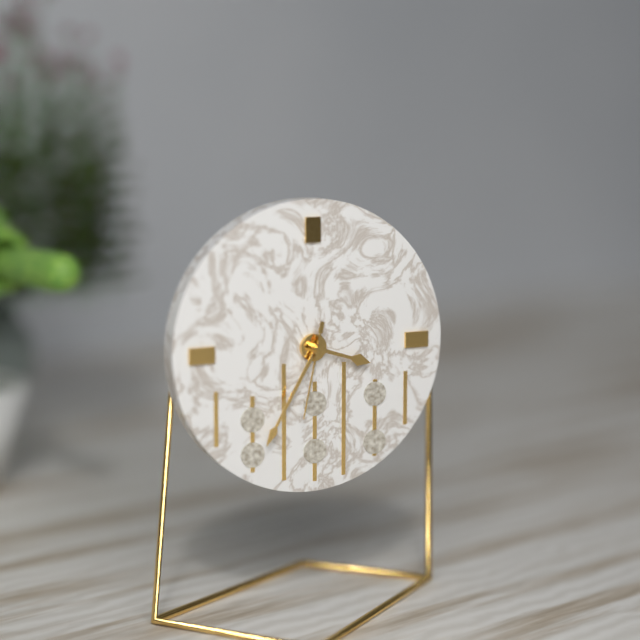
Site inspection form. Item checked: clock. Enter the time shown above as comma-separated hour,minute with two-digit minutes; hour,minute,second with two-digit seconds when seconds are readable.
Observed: 3,35,32
